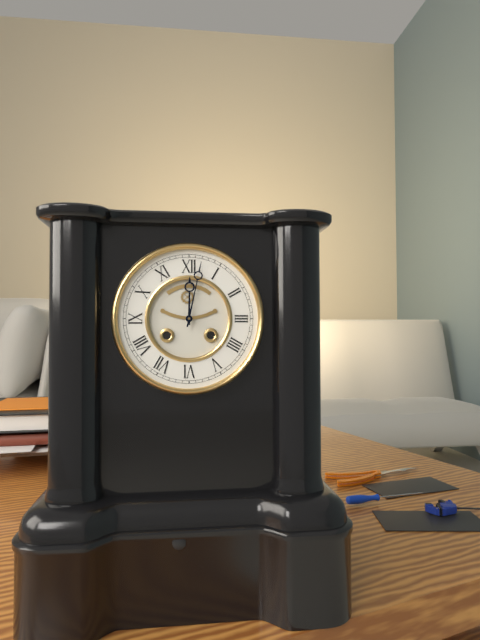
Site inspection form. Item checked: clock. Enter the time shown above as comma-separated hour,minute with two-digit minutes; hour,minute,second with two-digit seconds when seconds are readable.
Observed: 12,02
